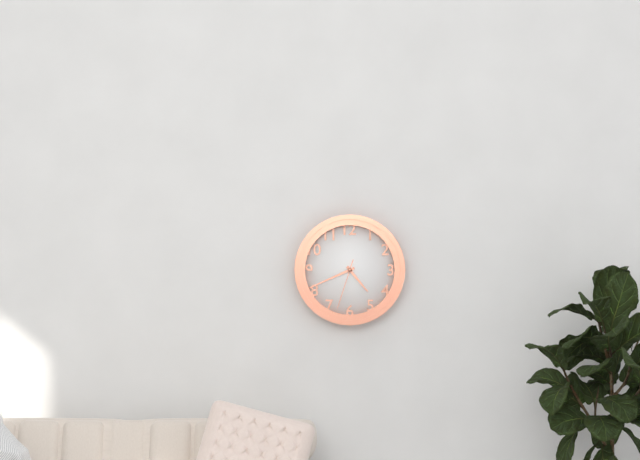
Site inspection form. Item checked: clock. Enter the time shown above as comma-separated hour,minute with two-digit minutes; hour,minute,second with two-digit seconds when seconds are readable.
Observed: 4,41,33
